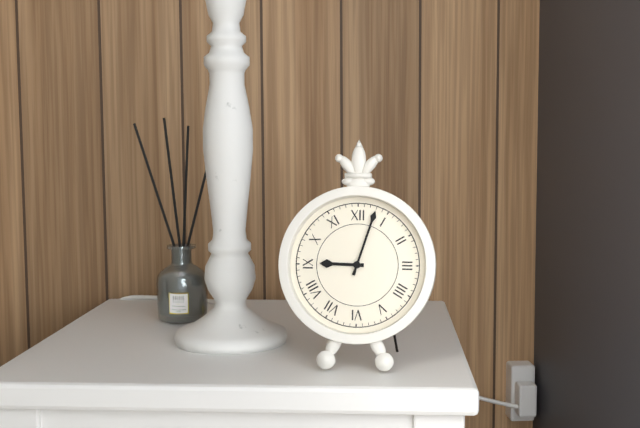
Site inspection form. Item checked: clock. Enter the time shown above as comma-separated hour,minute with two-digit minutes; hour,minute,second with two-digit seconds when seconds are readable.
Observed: 9,03
